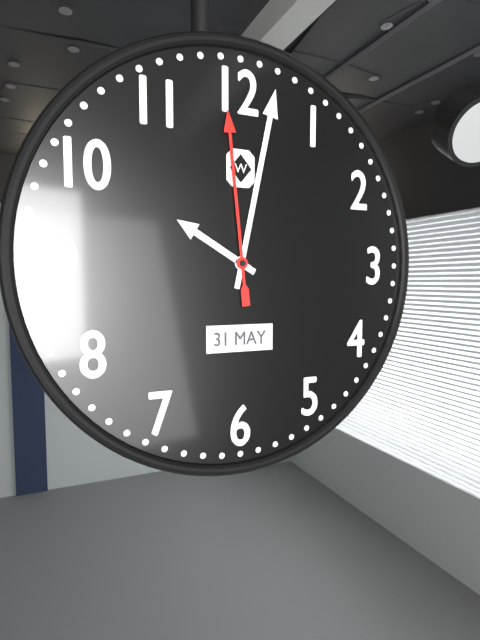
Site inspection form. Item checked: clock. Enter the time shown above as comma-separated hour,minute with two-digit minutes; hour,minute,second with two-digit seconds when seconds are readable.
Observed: 10,02,59
